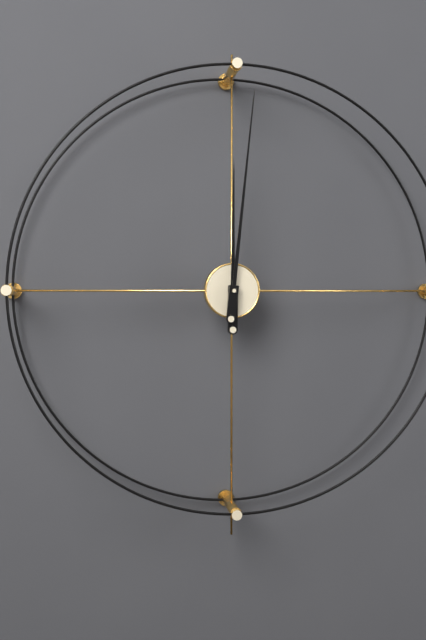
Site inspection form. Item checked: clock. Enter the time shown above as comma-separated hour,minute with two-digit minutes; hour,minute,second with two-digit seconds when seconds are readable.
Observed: 12,01
